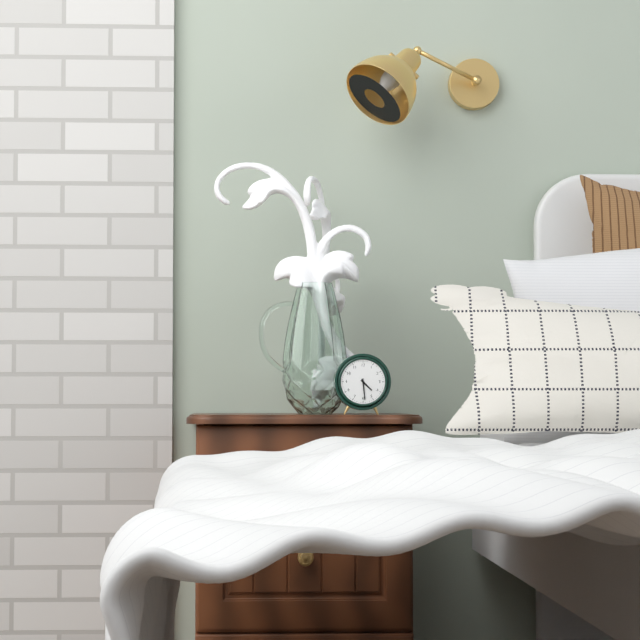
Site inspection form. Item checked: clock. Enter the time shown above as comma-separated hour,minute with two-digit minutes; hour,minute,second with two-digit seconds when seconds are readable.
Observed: 4,29
